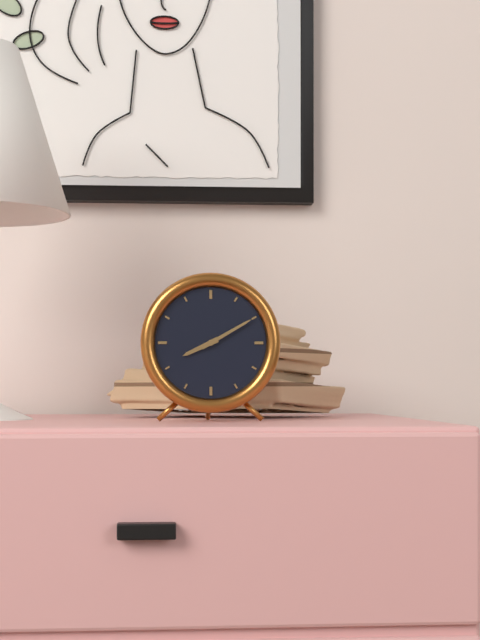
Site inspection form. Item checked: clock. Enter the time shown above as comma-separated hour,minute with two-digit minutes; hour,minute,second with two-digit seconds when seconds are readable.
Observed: 8,10
